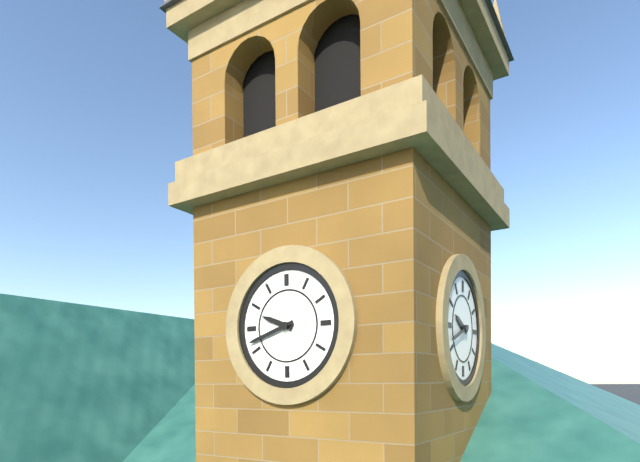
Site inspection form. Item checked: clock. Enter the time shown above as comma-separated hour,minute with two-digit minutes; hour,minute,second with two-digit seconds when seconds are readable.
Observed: 9,42
